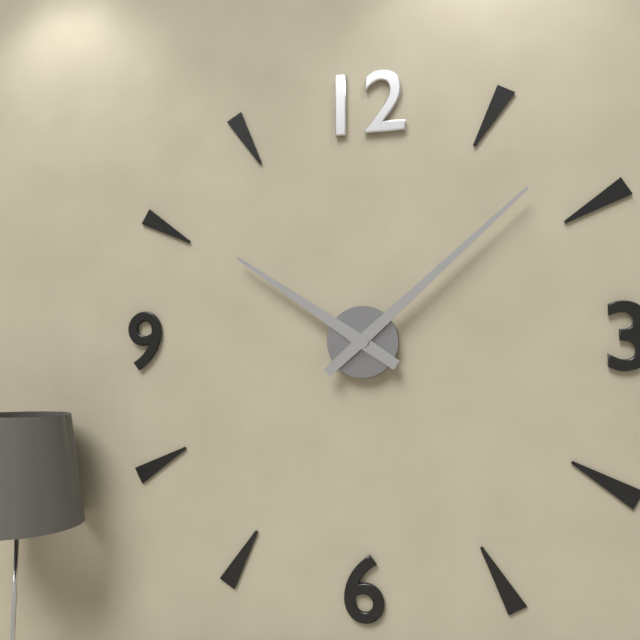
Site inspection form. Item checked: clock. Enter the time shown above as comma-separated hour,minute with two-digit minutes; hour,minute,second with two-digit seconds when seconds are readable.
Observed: 10,08
